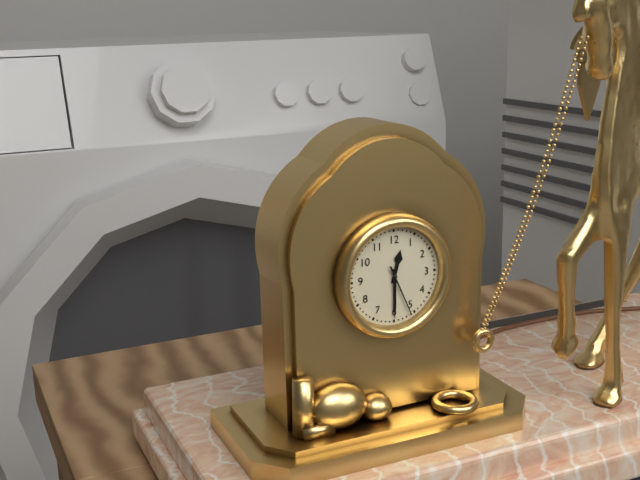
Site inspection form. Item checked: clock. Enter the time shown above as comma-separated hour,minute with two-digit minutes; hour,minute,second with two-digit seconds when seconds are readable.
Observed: 12,30,26
